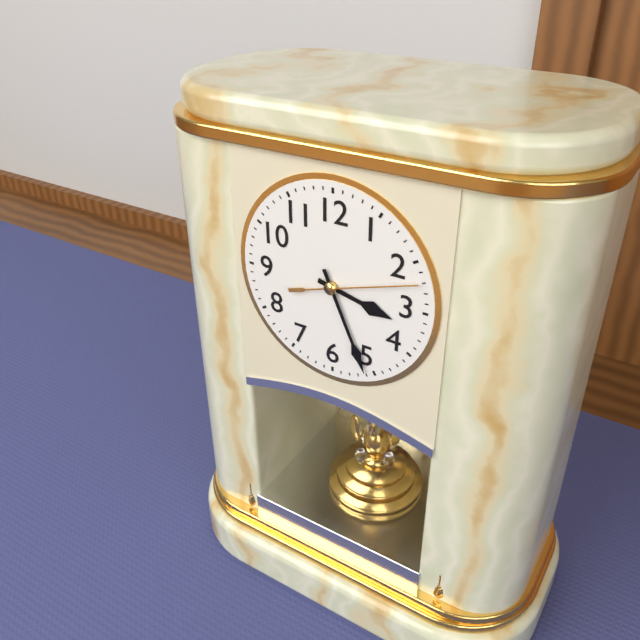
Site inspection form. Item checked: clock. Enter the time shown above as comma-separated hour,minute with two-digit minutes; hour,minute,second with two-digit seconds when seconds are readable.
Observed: 3,26,12
